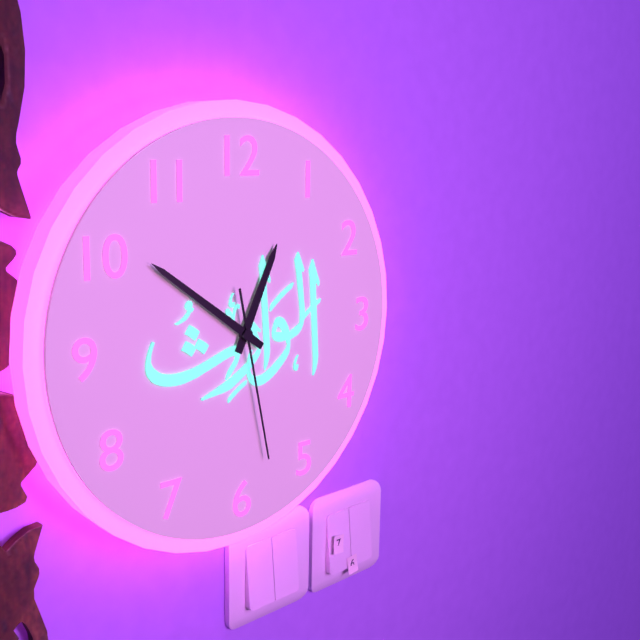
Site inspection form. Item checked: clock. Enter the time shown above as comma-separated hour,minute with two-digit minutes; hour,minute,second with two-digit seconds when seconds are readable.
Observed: 12,51,28
